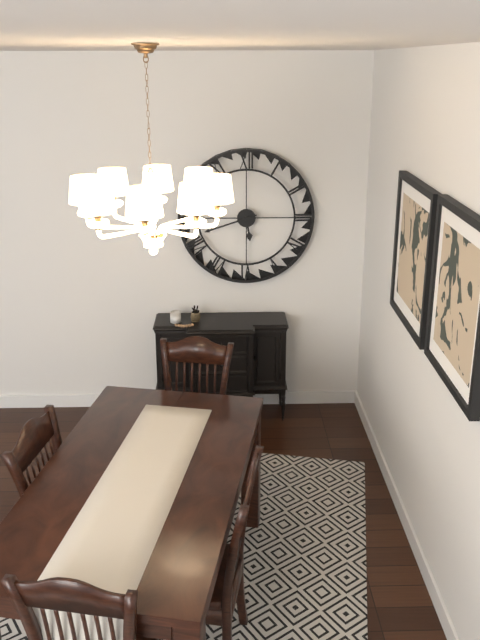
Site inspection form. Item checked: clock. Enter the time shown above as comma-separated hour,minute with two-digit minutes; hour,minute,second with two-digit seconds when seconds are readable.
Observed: 5,42
